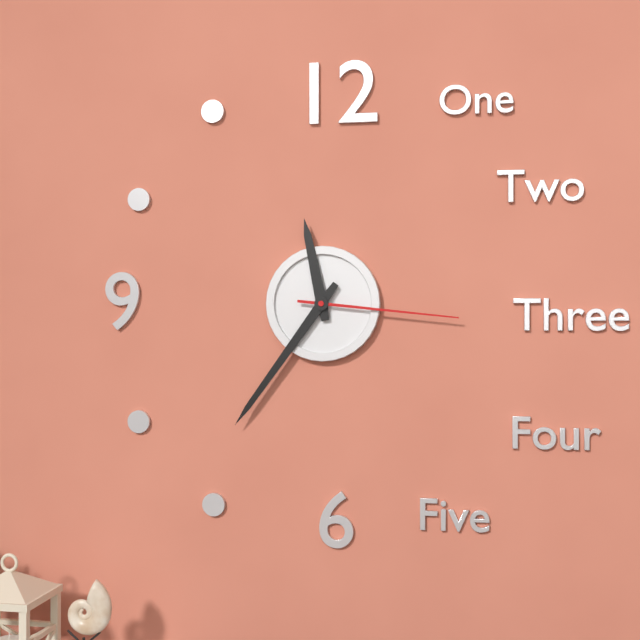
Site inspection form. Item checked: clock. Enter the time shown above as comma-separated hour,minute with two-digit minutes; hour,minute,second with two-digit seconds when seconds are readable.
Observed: 11,36,16
